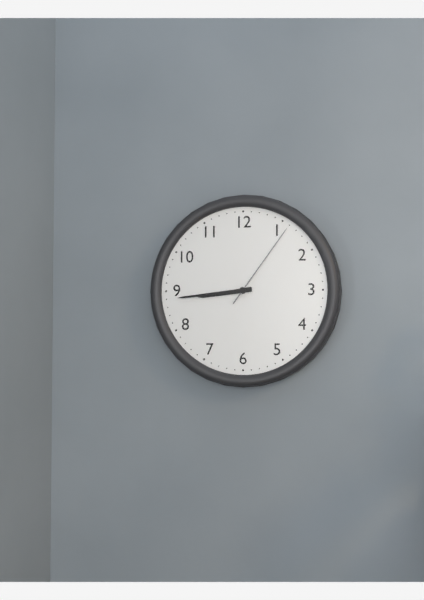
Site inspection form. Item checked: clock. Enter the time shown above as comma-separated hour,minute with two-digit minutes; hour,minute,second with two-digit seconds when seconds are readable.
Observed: 8,44,06
